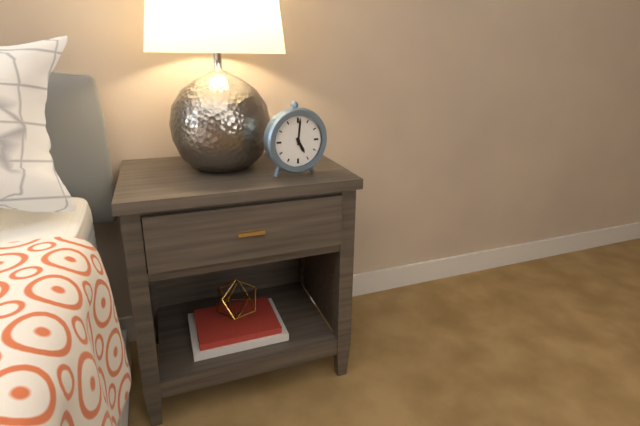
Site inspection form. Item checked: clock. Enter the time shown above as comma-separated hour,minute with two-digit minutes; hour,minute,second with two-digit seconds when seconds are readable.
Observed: 5,01
